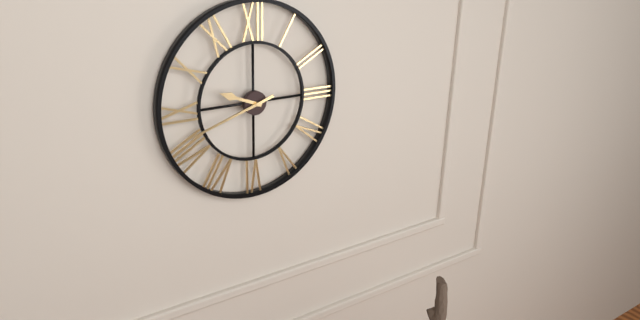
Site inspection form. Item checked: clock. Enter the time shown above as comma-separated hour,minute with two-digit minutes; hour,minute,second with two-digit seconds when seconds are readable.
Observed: 9,42
